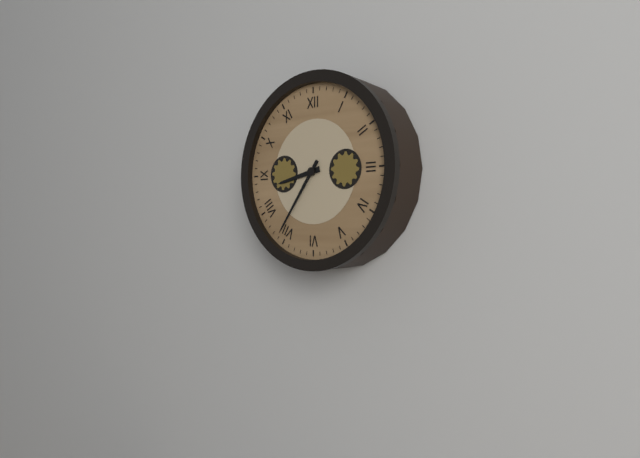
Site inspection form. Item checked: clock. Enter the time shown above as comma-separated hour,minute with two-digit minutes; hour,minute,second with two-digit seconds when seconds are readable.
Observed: 8,36
